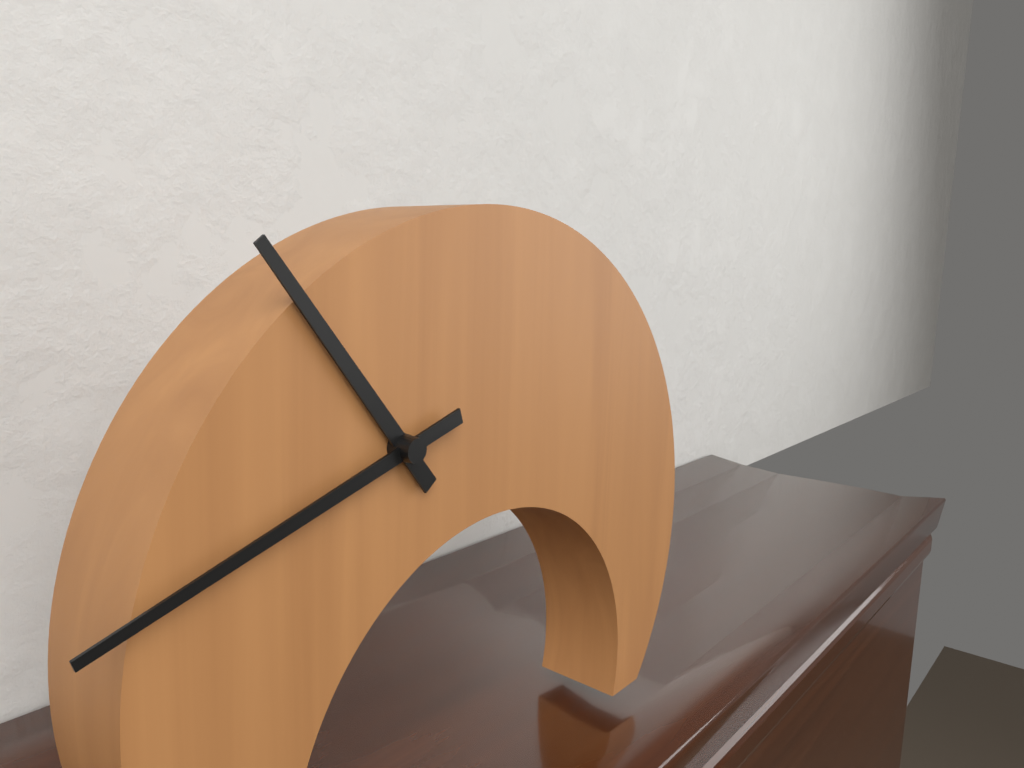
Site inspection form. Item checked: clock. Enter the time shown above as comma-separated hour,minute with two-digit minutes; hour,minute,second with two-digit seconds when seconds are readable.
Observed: 10,42
